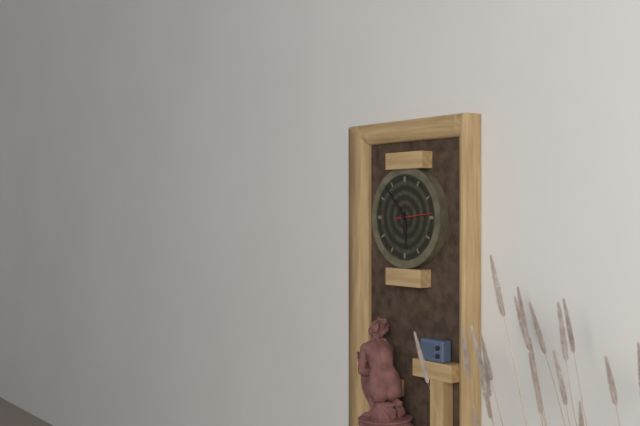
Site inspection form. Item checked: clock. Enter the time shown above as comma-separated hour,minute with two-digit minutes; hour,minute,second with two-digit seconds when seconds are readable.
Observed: 5,53
